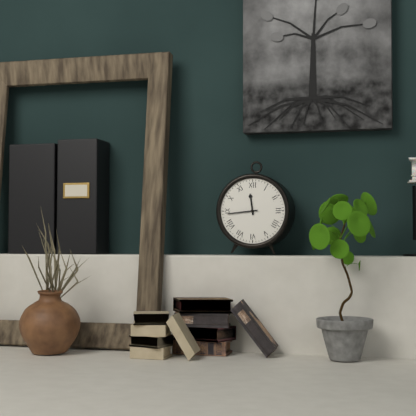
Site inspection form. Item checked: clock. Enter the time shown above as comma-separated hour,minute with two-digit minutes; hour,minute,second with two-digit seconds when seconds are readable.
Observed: 11,44
